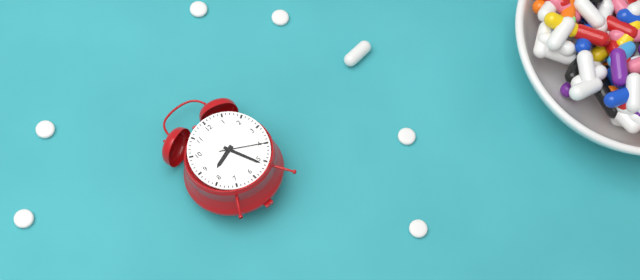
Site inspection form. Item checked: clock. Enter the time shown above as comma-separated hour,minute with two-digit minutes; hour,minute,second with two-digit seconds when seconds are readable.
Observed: 8,26
